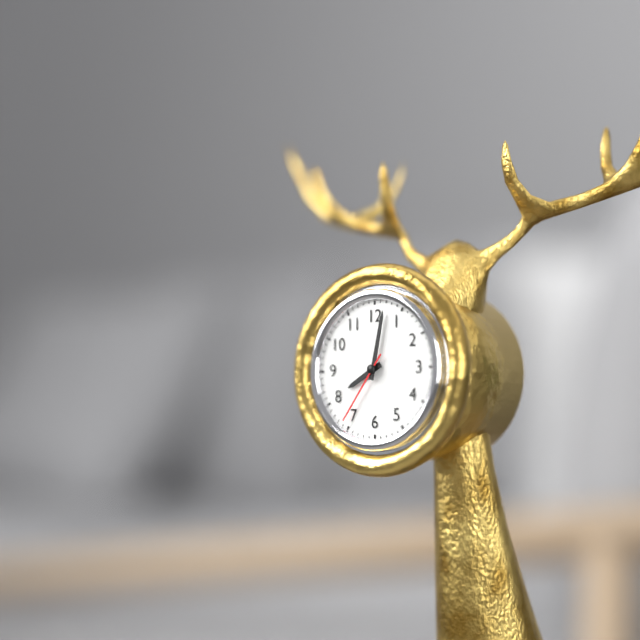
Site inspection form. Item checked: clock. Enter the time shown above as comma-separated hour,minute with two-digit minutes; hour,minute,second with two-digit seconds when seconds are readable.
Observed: 8,02,36
